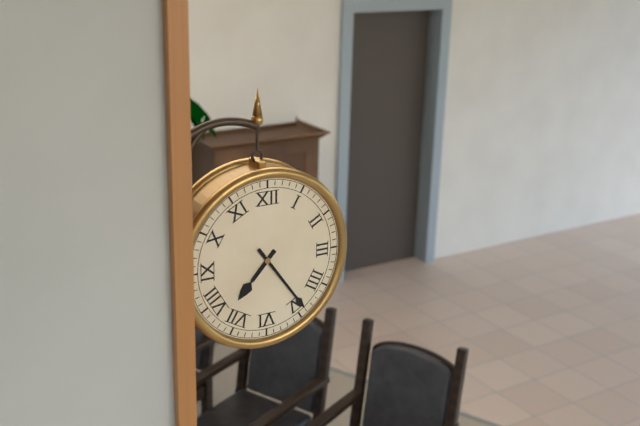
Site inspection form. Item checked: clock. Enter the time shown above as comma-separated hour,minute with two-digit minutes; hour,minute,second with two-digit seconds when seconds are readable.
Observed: 7,24
